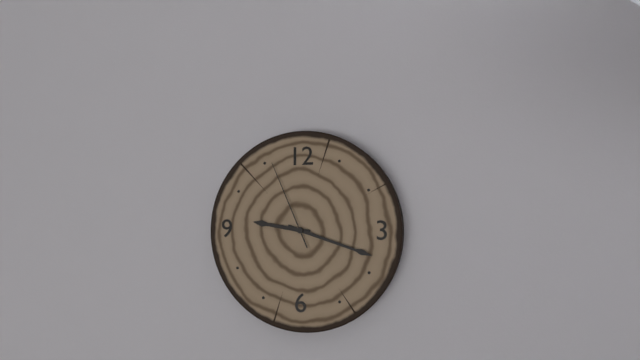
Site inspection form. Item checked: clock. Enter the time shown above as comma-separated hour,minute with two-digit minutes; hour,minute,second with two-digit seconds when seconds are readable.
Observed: 9,18,56
